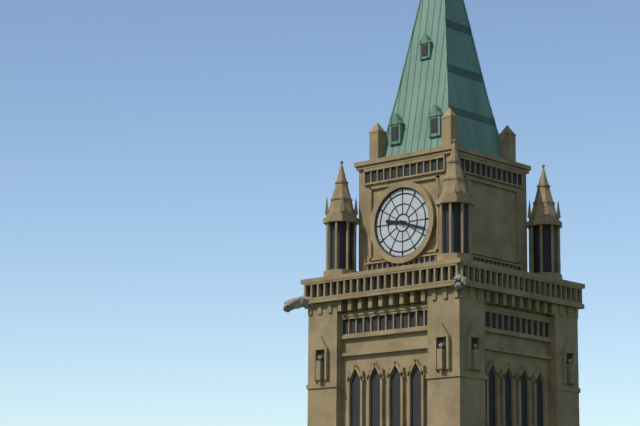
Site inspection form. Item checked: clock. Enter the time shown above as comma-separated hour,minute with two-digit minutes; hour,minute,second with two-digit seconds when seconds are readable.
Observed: 9,18
